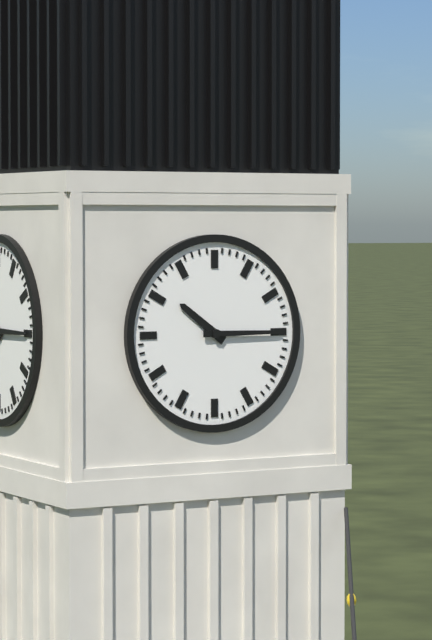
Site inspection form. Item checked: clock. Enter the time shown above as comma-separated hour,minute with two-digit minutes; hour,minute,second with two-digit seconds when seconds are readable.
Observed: 10,15
